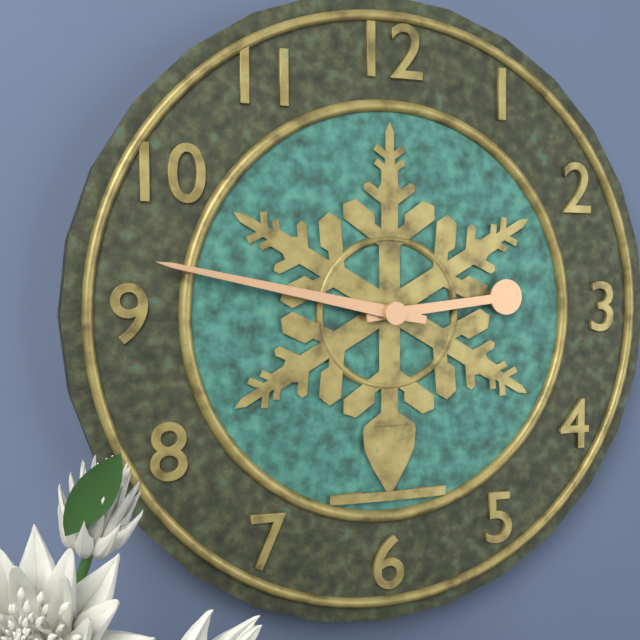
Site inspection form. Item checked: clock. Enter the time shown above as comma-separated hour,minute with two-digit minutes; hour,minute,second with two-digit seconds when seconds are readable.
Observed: 2,47
